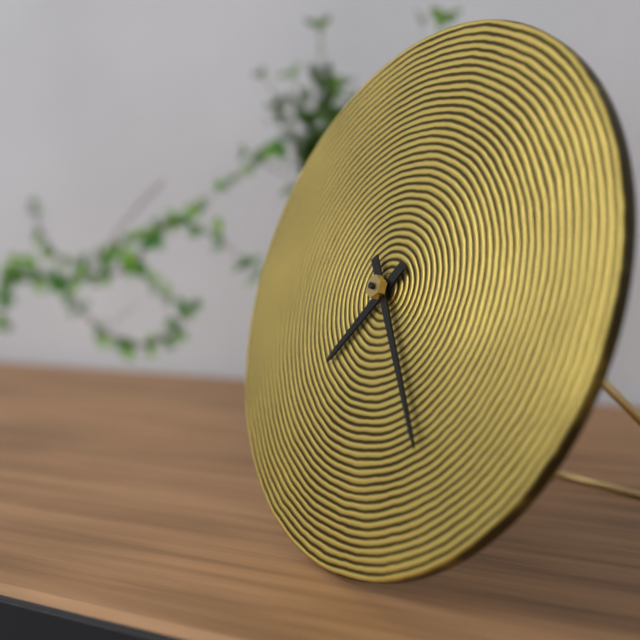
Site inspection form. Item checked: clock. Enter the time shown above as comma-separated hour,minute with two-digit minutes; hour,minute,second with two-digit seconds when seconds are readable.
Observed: 7,24
